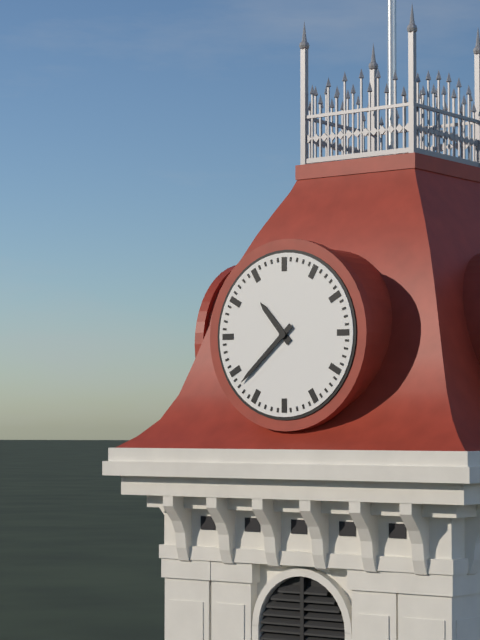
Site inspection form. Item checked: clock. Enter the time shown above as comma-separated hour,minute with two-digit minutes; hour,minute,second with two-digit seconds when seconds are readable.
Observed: 10,38
